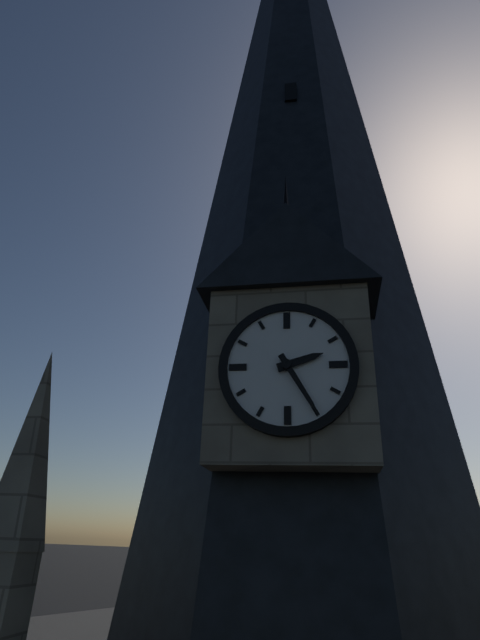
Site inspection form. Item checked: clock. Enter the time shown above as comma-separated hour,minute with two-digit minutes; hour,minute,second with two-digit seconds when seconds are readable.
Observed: 2,25
